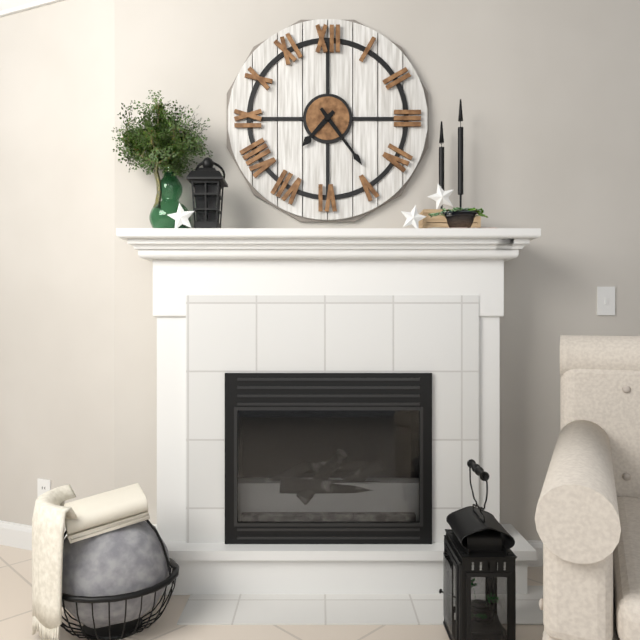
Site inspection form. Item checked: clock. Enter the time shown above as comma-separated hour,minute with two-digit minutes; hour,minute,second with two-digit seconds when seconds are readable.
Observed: 7,24
